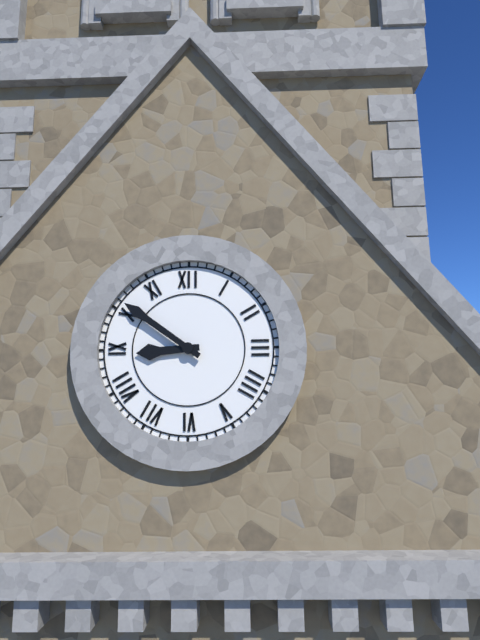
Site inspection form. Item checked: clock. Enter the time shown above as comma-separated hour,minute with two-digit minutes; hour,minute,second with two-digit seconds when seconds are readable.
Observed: 8,51
